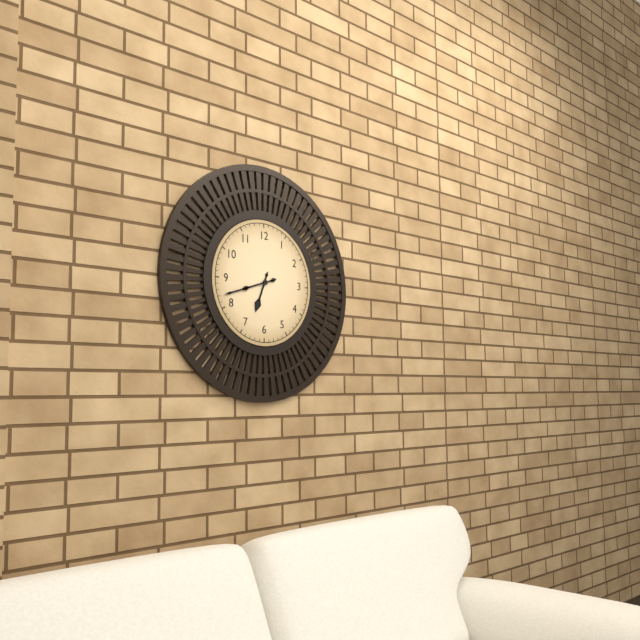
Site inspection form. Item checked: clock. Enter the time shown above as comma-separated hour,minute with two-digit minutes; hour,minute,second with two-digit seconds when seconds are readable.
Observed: 6,42
